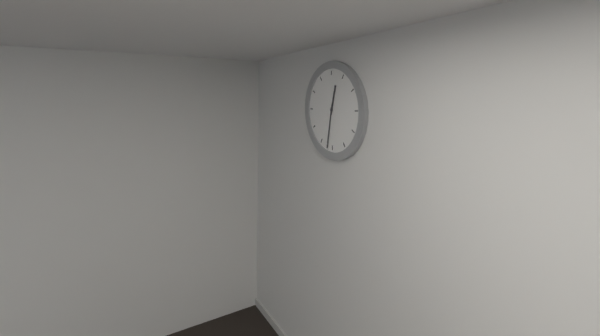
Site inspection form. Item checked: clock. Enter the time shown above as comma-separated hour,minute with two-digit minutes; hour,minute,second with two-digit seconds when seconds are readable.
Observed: 12,32
